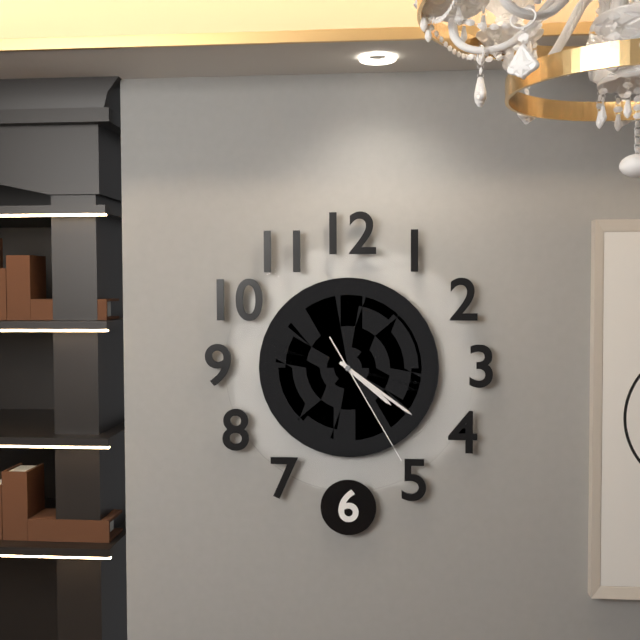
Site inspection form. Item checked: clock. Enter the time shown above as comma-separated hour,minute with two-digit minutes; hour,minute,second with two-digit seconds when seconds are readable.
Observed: 4,21,25
